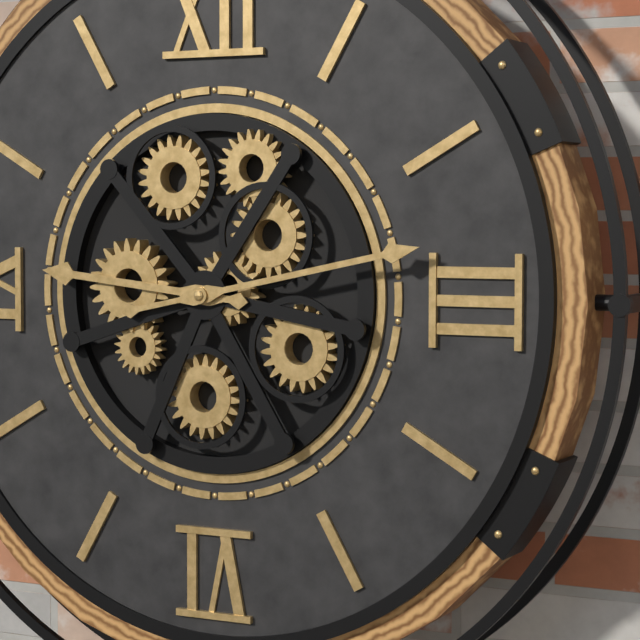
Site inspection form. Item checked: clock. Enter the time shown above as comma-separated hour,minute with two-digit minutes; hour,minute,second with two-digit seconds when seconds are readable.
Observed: 9,13
